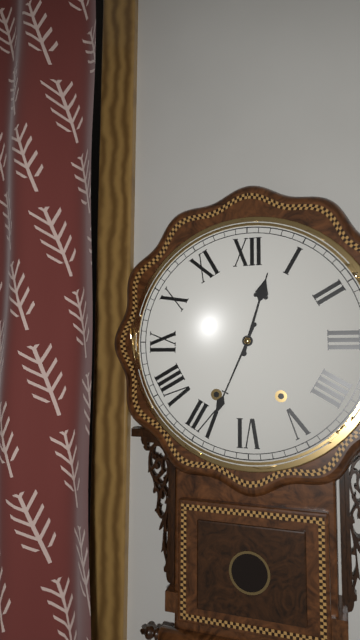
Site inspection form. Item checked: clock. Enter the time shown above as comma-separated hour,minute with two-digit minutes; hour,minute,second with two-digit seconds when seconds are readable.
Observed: 12,34
